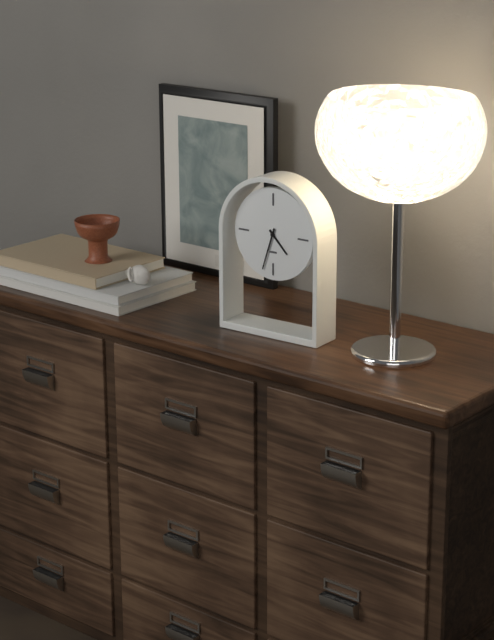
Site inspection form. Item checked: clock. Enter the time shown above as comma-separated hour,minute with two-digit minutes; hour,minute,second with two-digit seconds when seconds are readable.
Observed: 4,33
